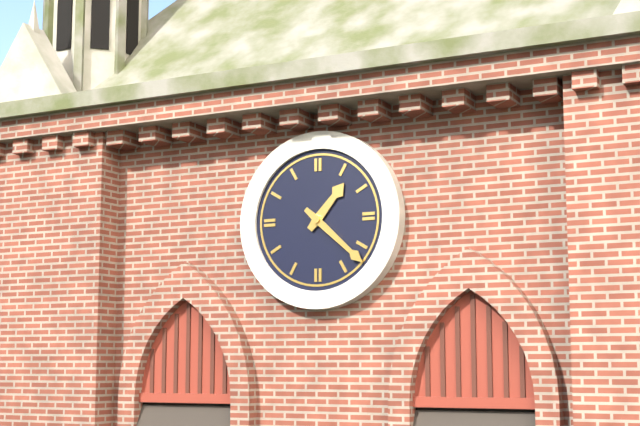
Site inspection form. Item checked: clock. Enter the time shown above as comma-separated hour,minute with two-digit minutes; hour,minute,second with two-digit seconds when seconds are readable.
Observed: 1,22
